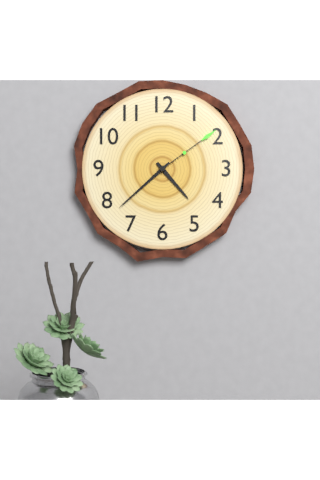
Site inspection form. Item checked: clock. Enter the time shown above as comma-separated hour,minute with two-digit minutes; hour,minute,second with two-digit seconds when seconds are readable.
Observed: 4,38,09
